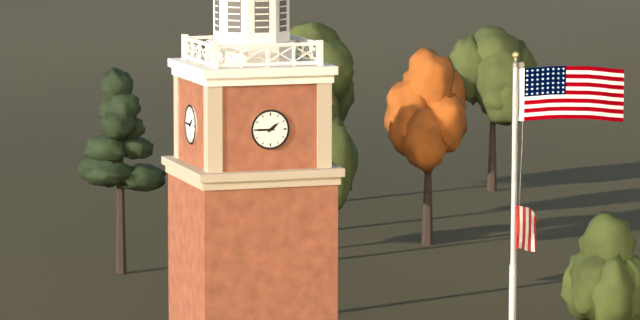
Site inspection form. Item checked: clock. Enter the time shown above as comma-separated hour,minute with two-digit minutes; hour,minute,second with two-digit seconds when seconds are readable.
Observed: 1,45
